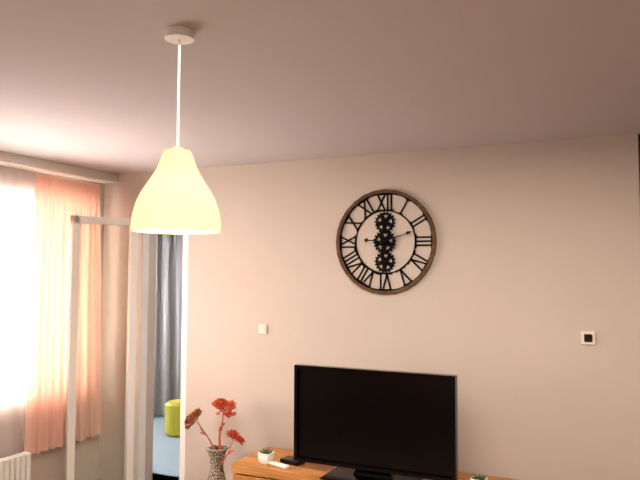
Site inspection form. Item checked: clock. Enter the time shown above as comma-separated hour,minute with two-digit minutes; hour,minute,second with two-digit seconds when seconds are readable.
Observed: 9,12
